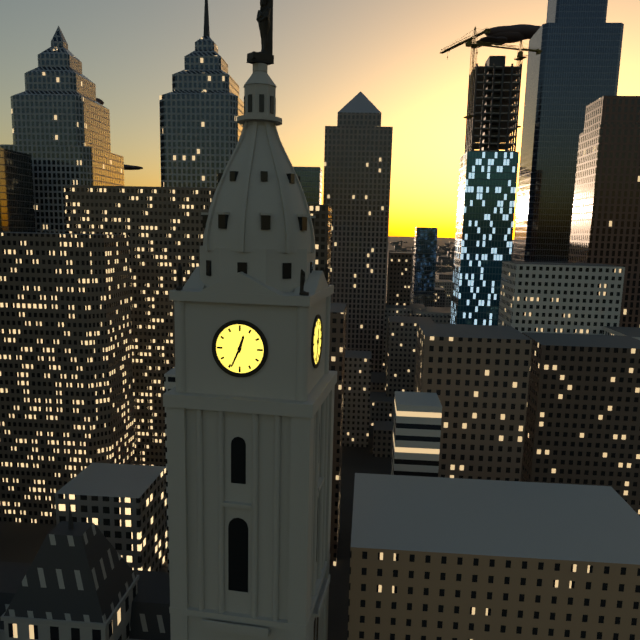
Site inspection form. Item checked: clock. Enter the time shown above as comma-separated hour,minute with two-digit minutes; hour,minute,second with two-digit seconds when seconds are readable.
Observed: 12,34
